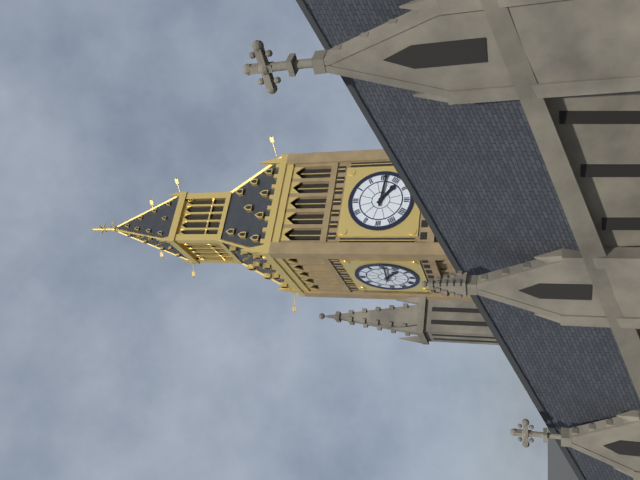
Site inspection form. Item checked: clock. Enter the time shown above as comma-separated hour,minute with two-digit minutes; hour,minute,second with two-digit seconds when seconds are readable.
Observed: 4,16
